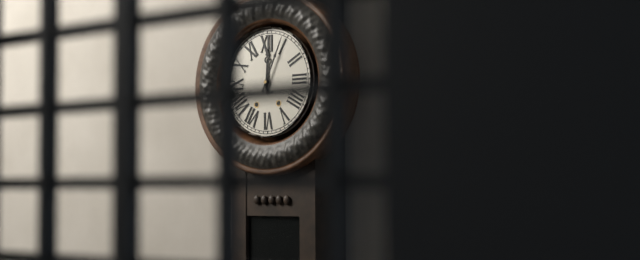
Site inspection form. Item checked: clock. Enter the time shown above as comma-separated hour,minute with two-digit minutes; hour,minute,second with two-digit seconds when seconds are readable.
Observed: 12,04
